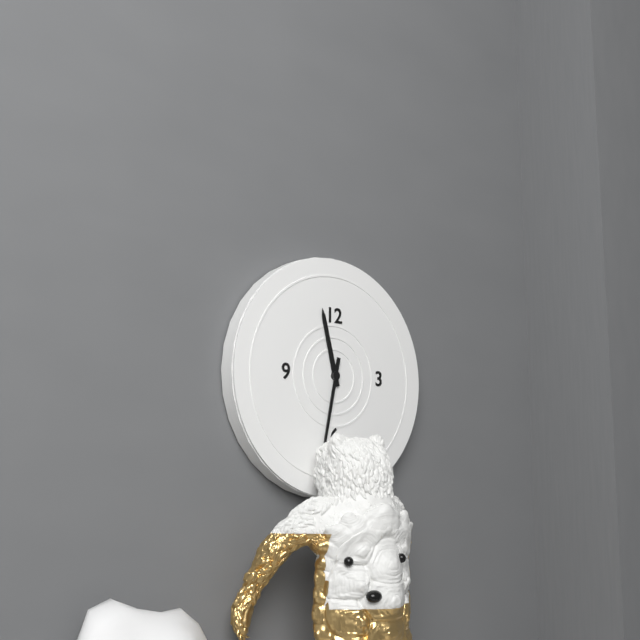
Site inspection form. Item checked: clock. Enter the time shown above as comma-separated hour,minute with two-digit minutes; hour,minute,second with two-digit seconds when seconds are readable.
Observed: 11,32
